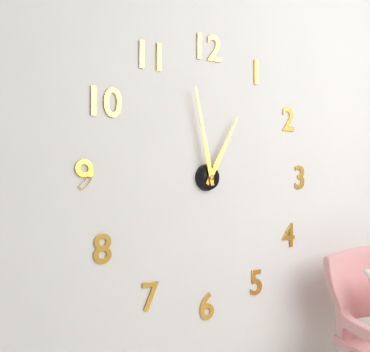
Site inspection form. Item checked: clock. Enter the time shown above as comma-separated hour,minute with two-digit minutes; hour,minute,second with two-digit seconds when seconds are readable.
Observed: 12,58
